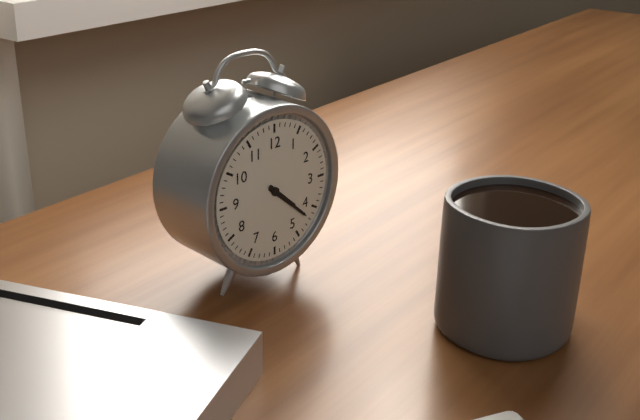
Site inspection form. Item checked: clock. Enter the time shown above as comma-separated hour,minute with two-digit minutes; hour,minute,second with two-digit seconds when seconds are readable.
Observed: 4,22
